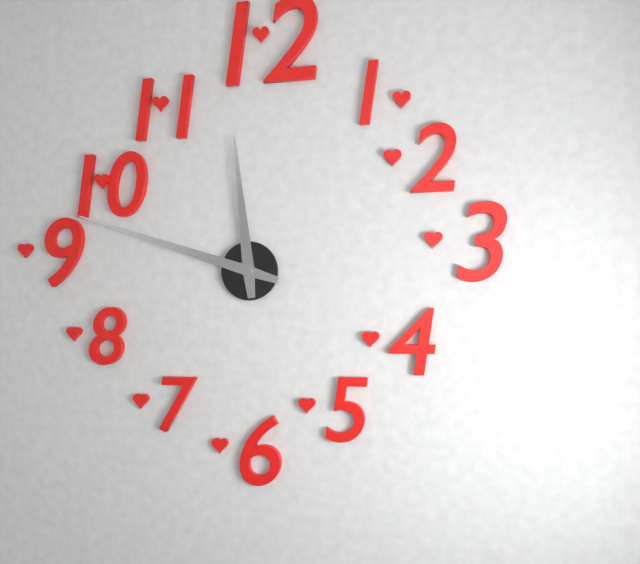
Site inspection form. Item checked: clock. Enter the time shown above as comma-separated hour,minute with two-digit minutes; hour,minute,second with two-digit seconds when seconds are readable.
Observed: 11,48
